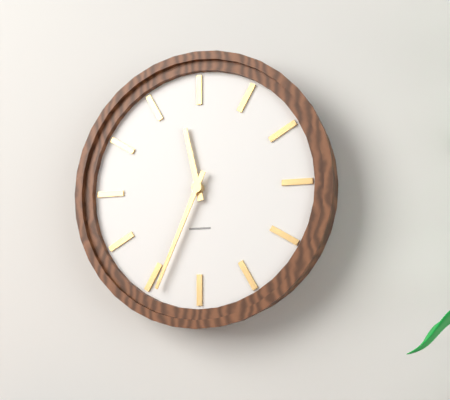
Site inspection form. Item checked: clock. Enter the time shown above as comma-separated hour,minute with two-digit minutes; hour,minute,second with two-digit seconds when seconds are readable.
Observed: 11,34
